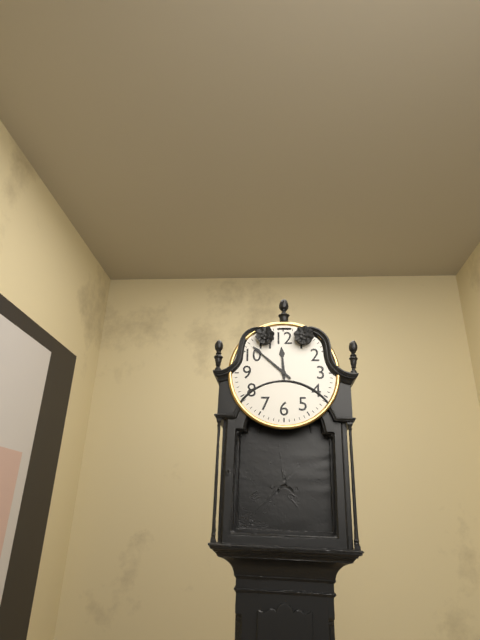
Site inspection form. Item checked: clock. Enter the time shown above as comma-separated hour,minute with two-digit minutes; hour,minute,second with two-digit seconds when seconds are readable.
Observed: 11,52
